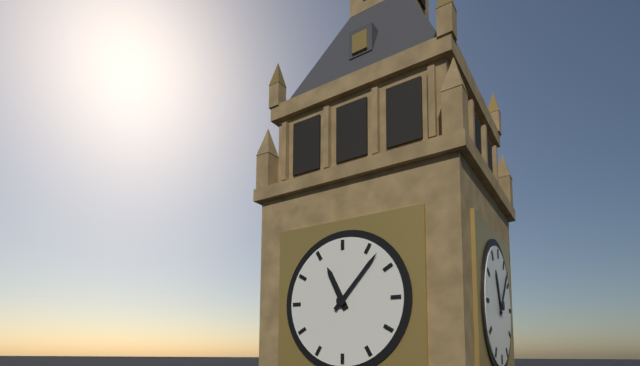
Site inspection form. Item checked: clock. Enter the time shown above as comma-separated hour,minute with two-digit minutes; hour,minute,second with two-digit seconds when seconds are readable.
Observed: 11,07
